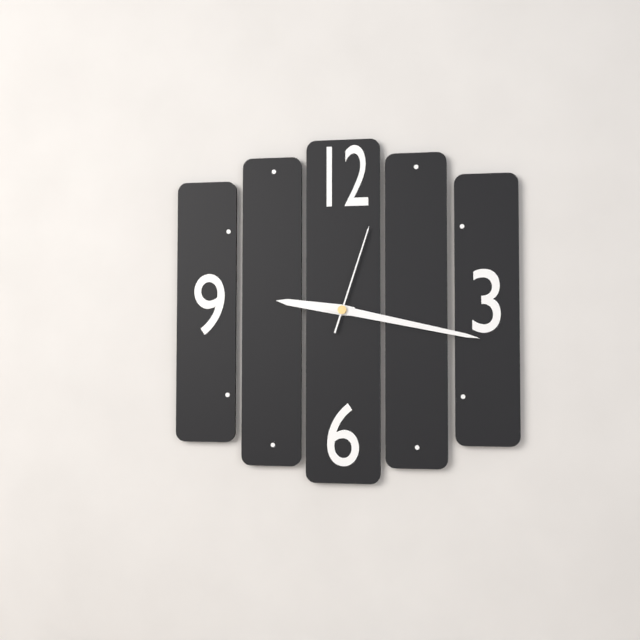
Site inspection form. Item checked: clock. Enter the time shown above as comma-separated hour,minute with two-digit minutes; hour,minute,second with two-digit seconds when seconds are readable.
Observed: 9,17,03
